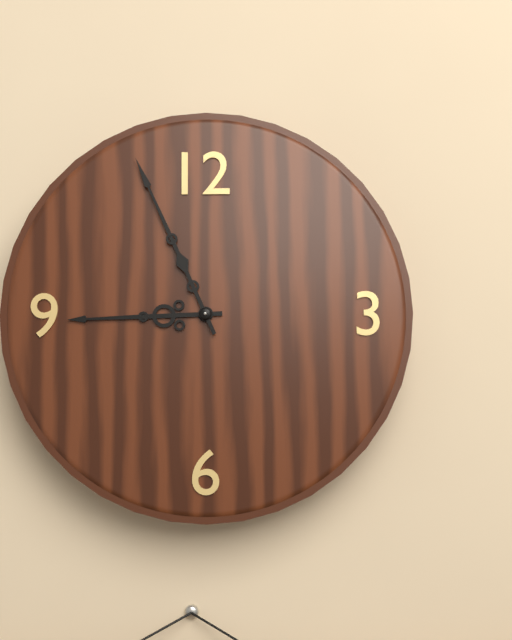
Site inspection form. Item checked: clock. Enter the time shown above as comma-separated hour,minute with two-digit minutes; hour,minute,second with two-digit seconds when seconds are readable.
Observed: 8,56
